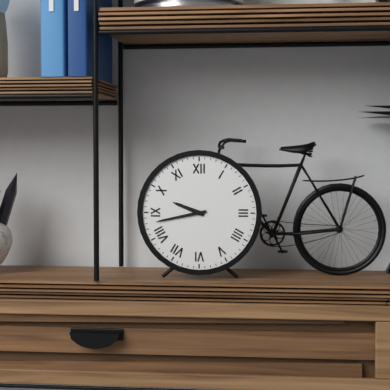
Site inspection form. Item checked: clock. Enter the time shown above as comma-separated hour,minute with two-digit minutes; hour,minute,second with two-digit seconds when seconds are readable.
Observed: 9,43
